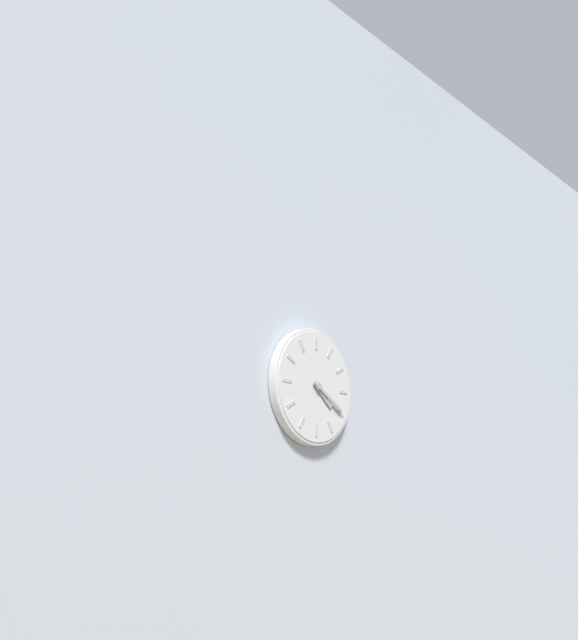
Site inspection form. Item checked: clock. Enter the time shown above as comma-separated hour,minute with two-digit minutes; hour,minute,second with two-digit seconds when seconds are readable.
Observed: 4,20
